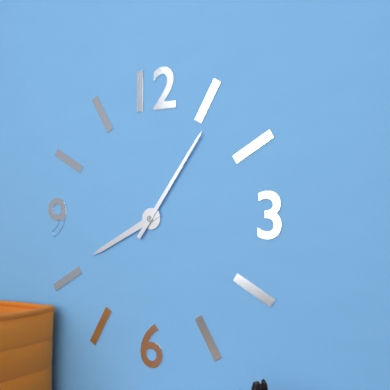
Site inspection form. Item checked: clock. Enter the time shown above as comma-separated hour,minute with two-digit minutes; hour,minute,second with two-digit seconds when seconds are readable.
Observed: 8,06
